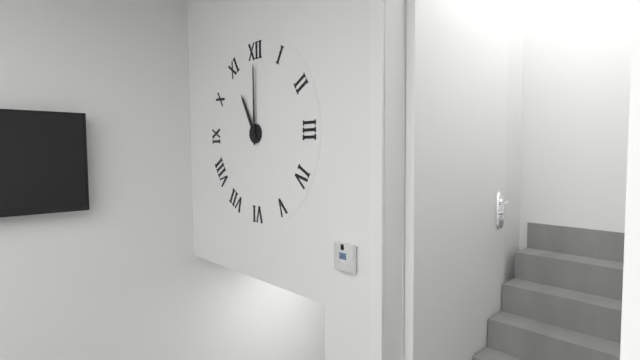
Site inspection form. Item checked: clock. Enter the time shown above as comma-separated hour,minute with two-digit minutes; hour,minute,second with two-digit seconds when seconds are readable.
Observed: 11,00
